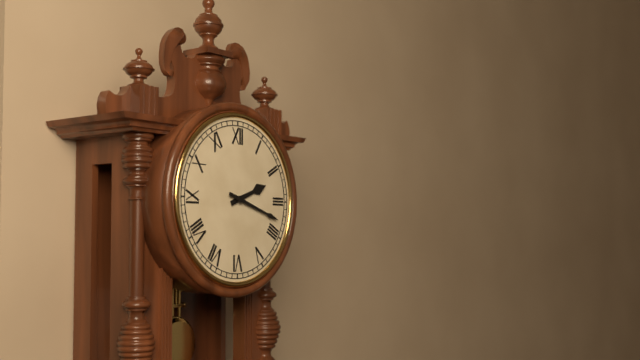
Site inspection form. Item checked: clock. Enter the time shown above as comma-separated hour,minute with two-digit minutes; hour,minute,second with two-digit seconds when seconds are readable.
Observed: 2,18
